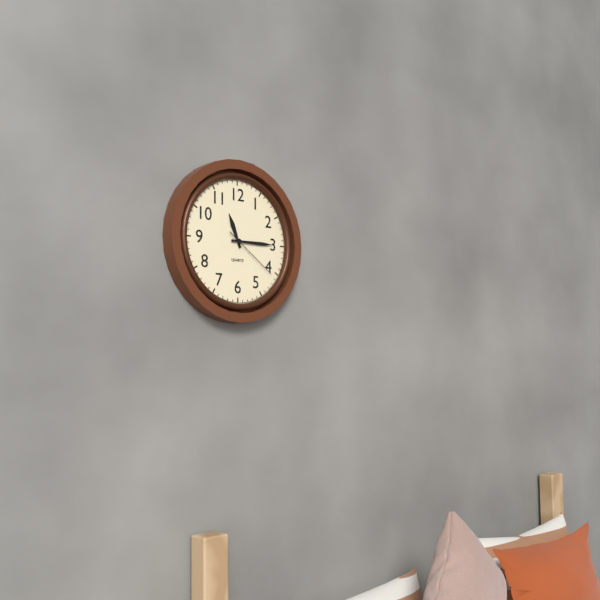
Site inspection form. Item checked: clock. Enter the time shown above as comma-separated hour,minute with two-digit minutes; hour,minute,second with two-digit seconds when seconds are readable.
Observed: 11,15,21
